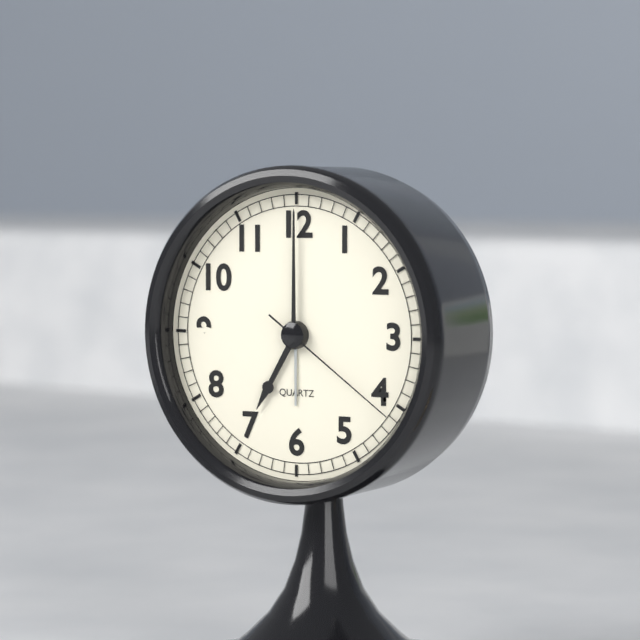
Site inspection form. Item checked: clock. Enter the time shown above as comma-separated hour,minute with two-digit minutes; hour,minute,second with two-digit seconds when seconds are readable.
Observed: 7,00,21
